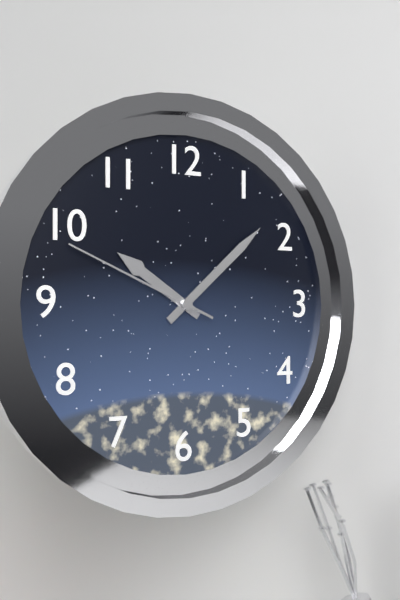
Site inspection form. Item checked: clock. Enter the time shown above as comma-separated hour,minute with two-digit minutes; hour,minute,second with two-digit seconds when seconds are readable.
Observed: 10,08,49
